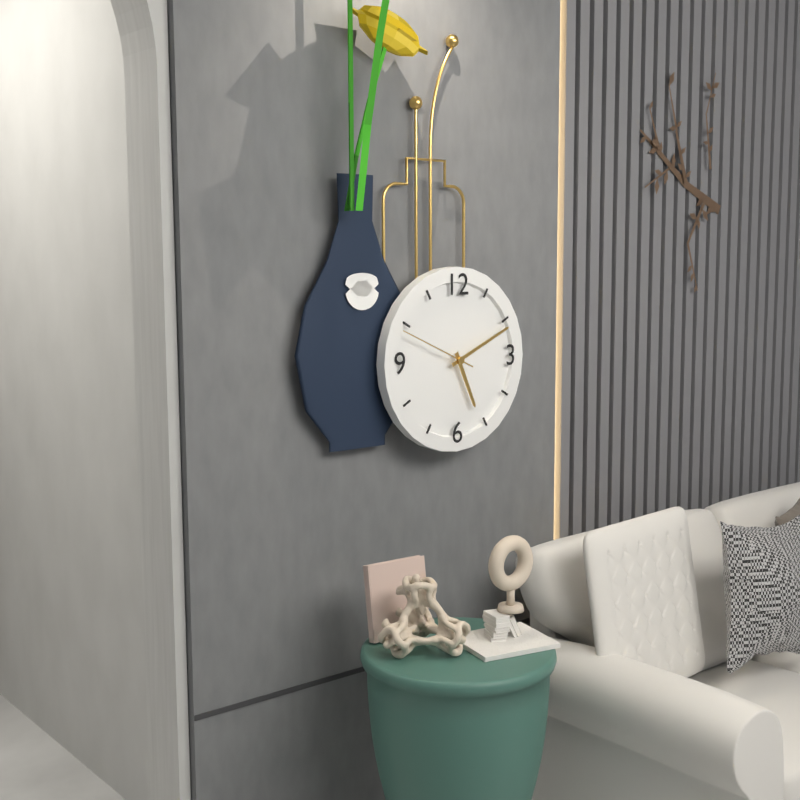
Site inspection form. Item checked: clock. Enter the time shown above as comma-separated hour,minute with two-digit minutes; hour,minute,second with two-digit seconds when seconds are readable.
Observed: 5,11,49
